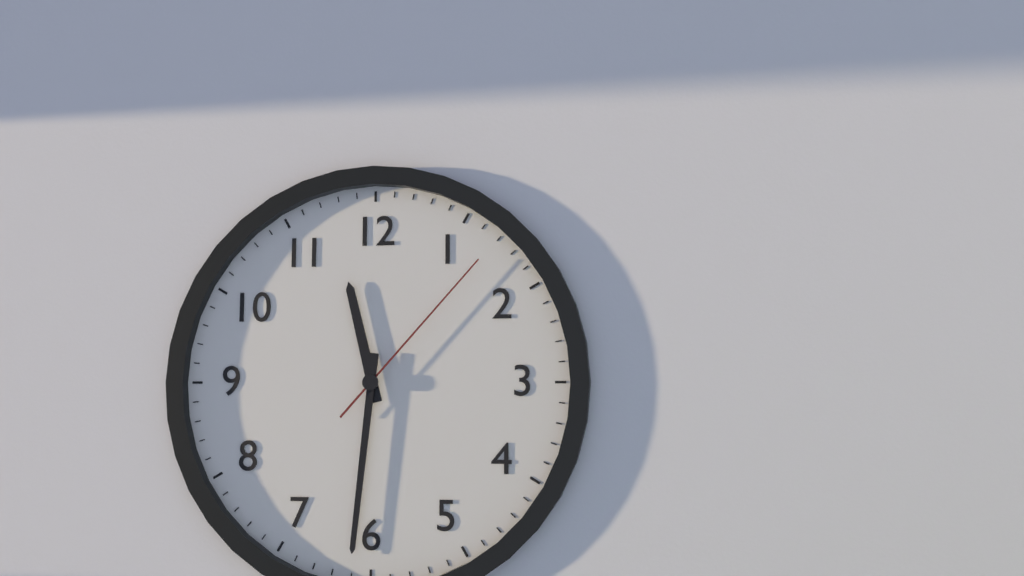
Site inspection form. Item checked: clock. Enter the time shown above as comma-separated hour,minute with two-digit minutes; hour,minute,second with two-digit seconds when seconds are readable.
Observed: 11,31,07
